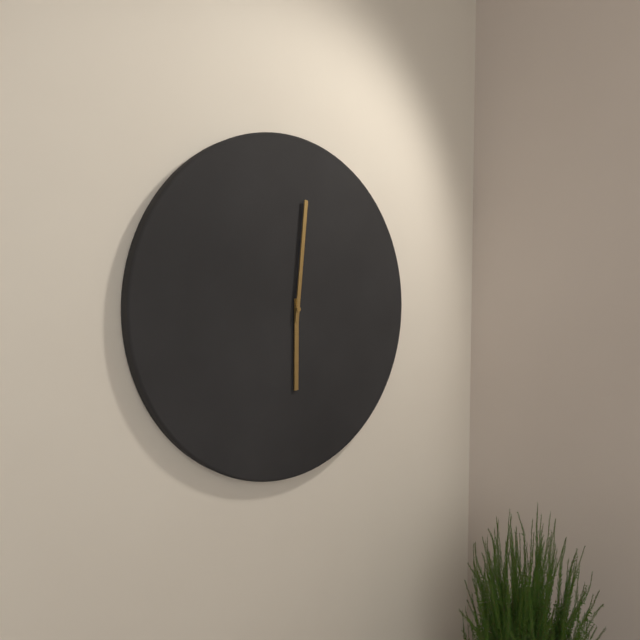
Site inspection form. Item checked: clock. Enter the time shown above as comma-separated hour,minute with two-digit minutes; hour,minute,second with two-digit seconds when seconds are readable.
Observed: 6,01
